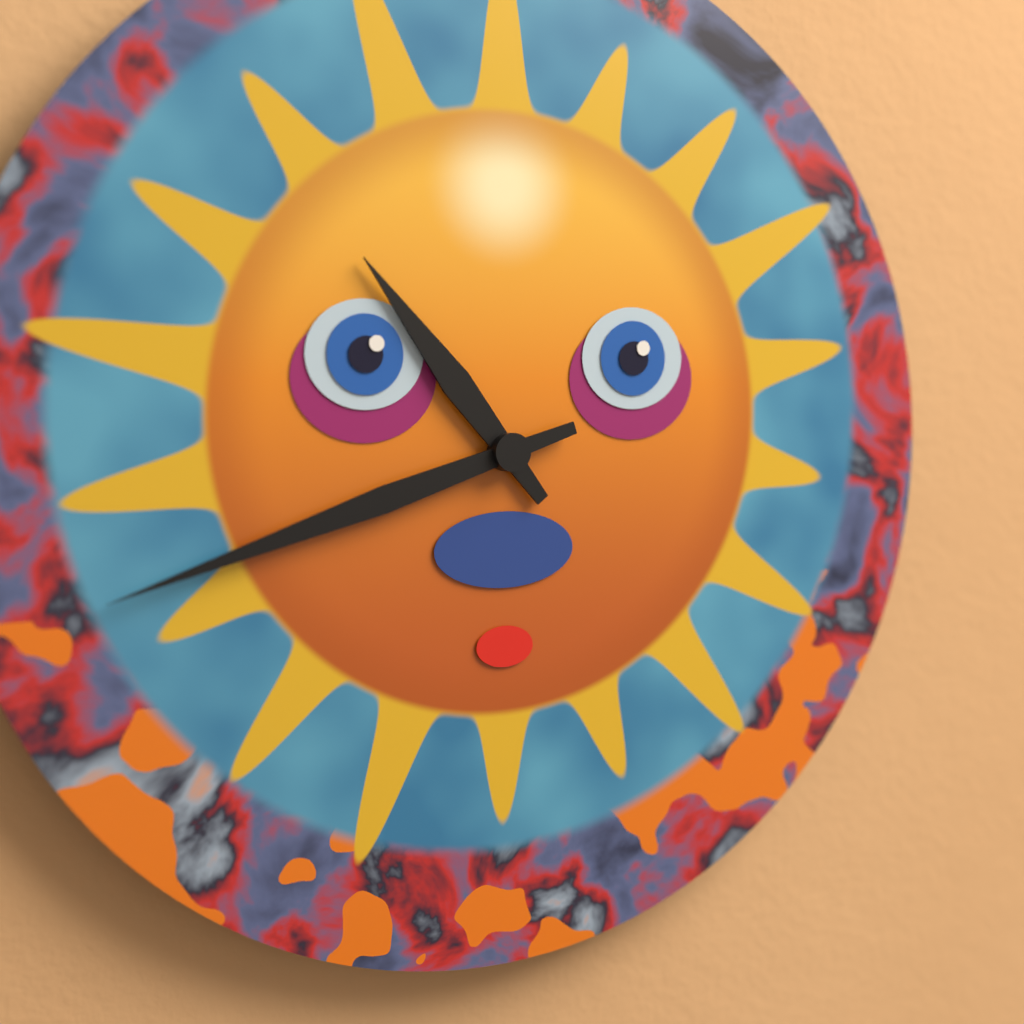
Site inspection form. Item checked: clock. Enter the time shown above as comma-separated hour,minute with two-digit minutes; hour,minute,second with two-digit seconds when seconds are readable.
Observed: 10,42
